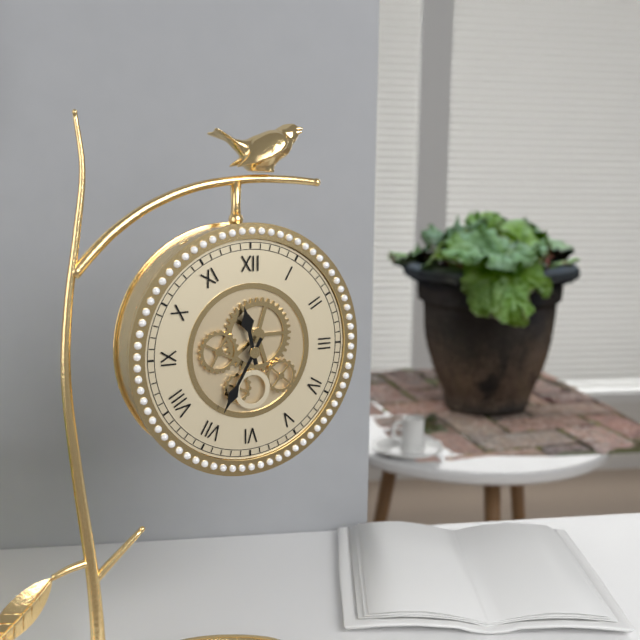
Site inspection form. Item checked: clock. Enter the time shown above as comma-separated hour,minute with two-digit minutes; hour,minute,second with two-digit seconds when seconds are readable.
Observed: 11,35
